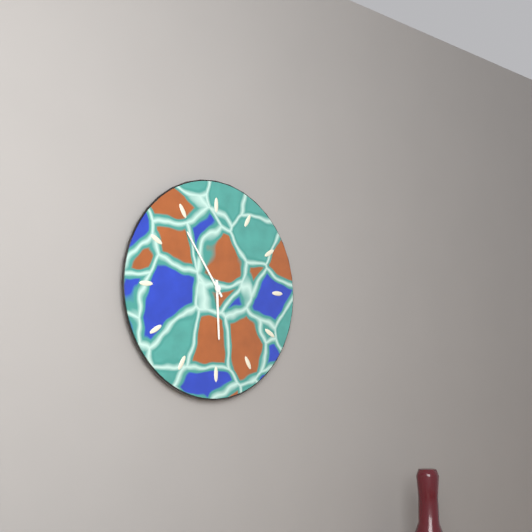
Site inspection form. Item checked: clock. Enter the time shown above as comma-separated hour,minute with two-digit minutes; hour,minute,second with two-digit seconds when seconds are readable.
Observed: 5,54
